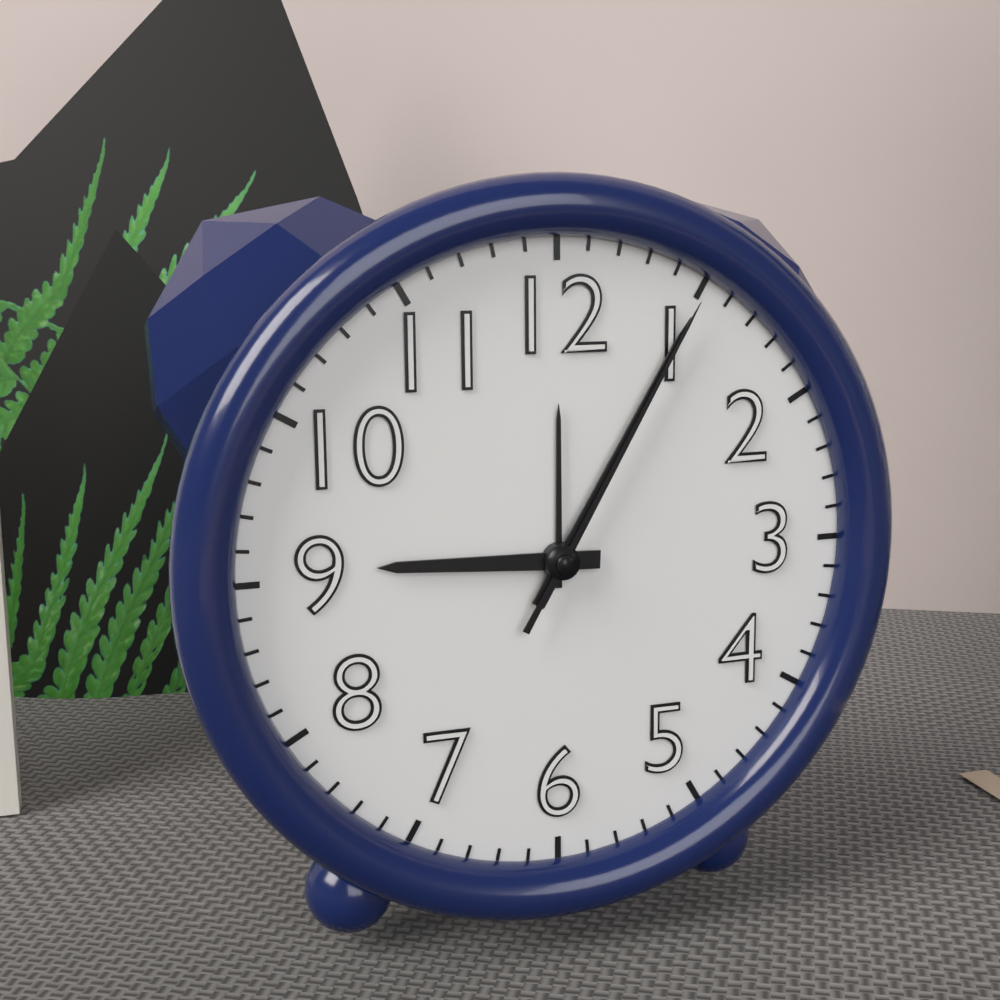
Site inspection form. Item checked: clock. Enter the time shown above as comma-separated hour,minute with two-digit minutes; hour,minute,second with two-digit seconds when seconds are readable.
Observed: 9,05,05
